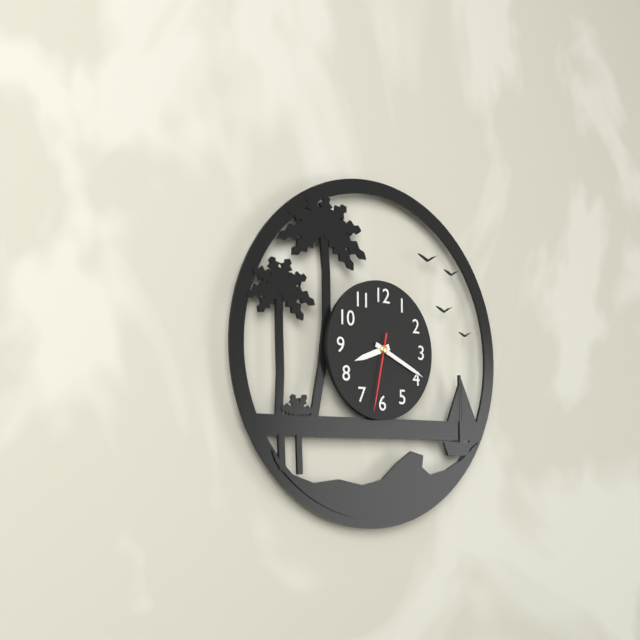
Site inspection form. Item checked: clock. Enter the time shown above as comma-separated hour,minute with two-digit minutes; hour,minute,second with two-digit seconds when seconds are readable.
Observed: 8,19,32
